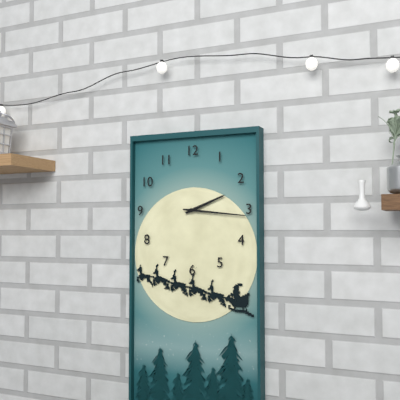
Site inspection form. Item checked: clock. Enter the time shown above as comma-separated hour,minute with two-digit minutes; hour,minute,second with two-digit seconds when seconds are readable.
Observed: 2,16
